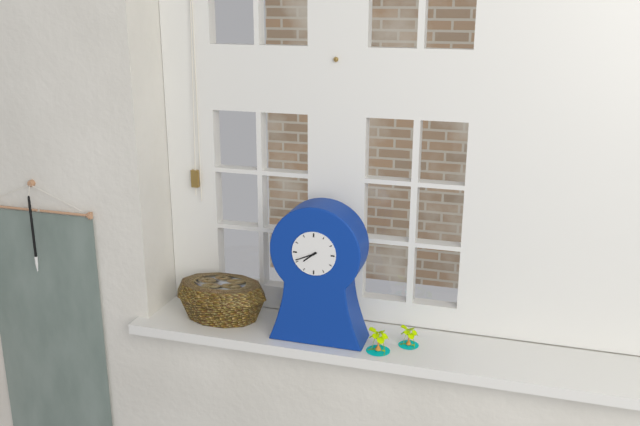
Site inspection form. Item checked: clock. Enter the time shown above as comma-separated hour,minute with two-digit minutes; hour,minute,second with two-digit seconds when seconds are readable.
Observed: 7,41
